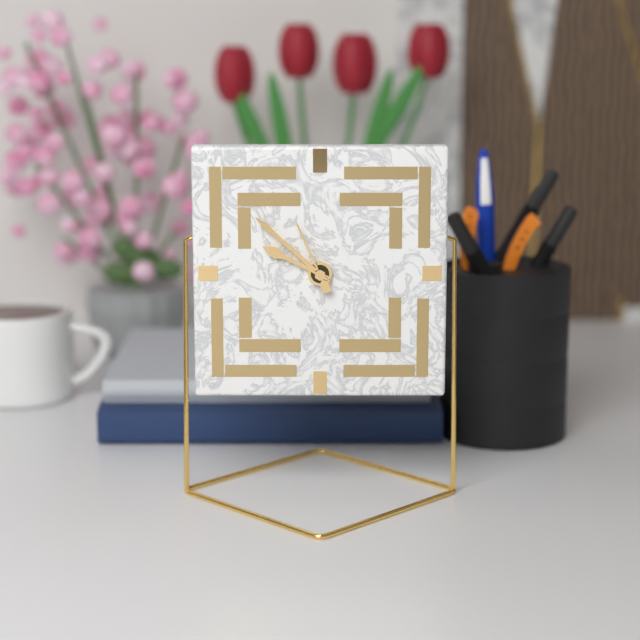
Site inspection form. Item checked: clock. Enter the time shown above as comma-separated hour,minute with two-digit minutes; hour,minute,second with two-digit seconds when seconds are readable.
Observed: 9,52,56
